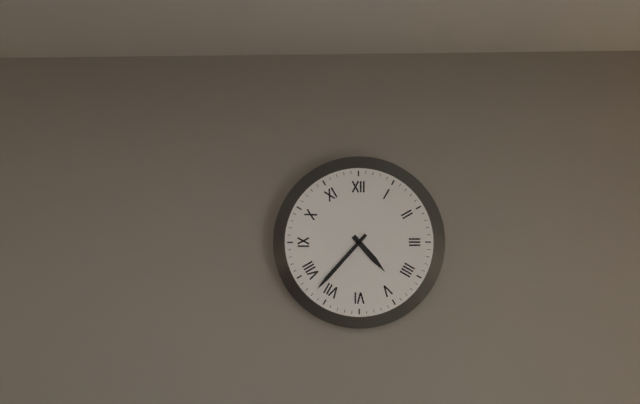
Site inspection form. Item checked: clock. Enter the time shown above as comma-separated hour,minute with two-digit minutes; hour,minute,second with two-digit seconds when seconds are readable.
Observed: 4,37
